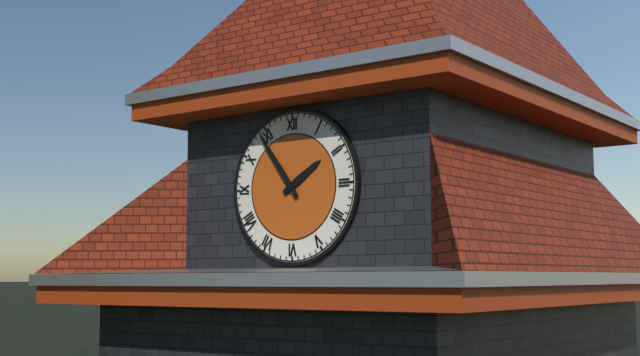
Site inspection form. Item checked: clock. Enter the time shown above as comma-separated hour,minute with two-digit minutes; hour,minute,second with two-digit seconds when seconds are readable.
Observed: 1,54
